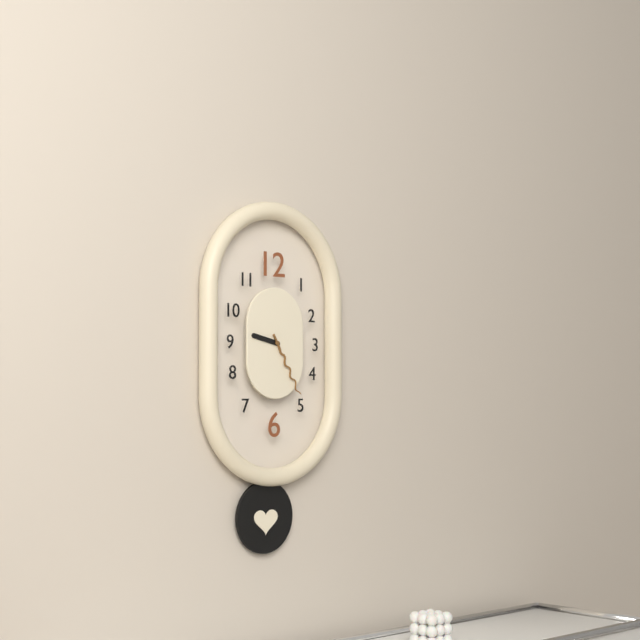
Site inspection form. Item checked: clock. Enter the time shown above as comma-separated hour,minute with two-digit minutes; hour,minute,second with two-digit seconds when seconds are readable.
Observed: 9,25
